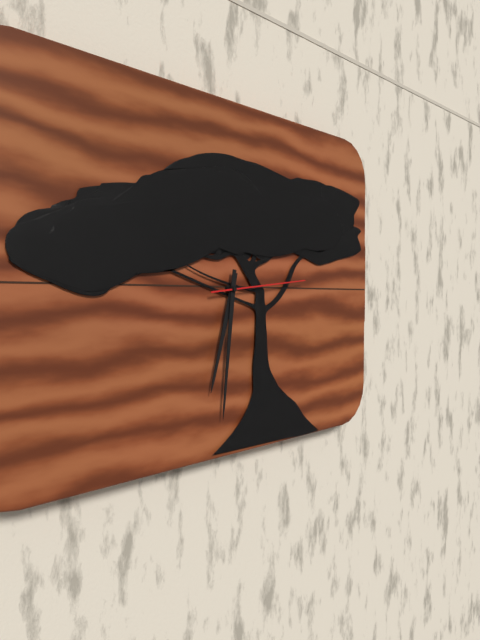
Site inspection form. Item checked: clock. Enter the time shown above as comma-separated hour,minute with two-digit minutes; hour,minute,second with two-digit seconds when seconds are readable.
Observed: 6,31,14
